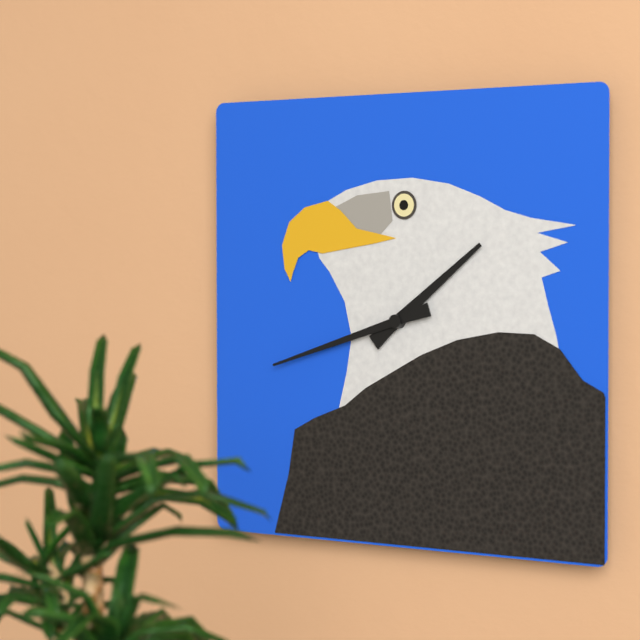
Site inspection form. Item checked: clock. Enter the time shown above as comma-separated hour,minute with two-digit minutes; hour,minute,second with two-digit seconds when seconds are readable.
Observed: 1,42
